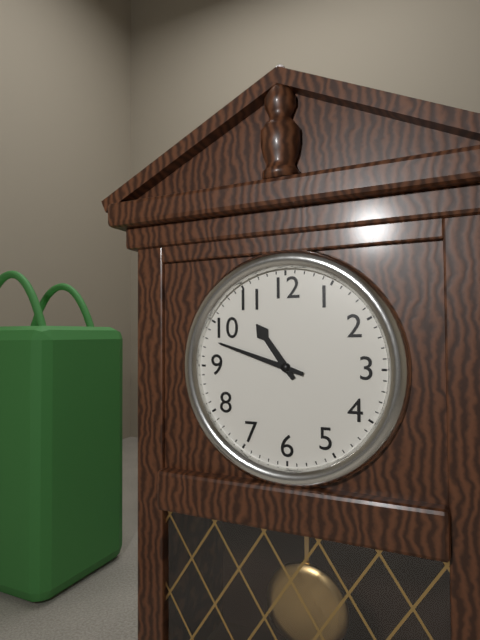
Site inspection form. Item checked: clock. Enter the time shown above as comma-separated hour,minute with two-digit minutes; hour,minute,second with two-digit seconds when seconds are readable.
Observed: 10,48
